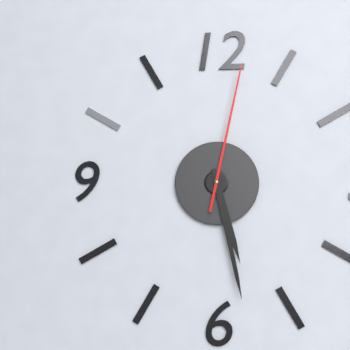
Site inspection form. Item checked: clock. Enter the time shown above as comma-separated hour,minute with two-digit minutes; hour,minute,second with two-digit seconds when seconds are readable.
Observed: 5,28,02
